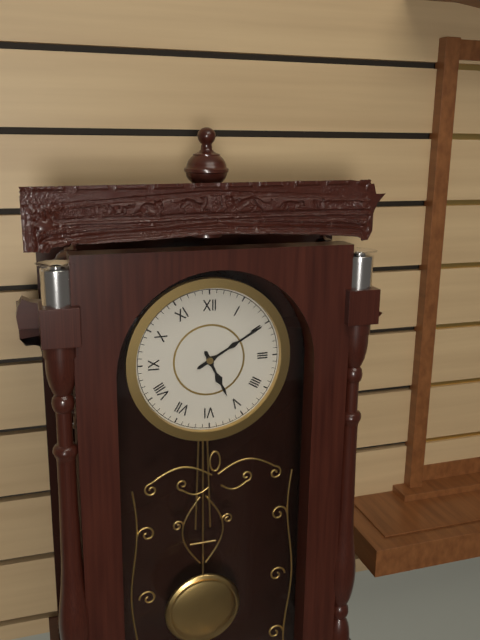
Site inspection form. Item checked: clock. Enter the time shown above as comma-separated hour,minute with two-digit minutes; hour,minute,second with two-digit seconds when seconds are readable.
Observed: 5,10
